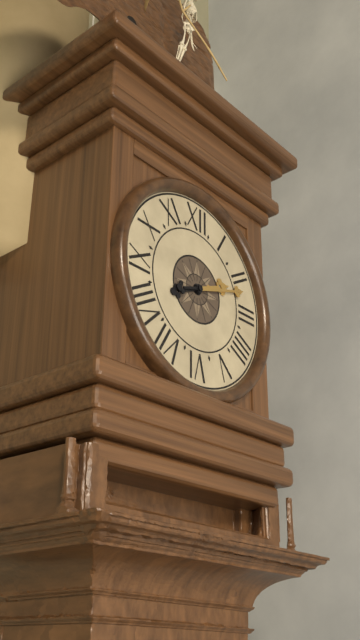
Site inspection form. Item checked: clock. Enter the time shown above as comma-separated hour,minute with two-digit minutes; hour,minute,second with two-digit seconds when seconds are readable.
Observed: 2,12
